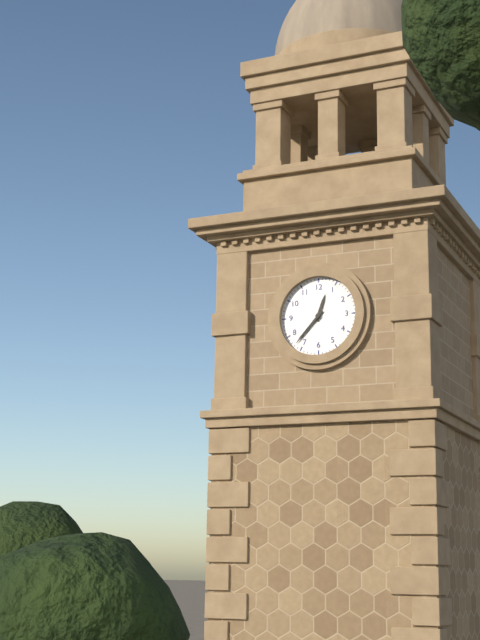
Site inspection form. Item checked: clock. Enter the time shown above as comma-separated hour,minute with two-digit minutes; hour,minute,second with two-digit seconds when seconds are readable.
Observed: 12,37
